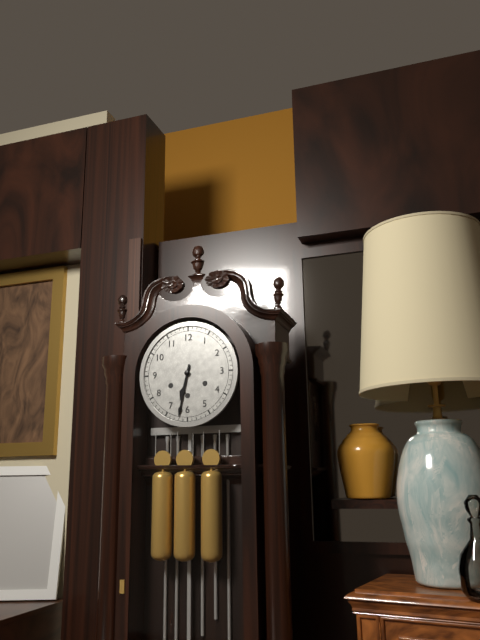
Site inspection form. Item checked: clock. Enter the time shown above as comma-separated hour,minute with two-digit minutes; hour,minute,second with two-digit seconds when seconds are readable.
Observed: 6,32
